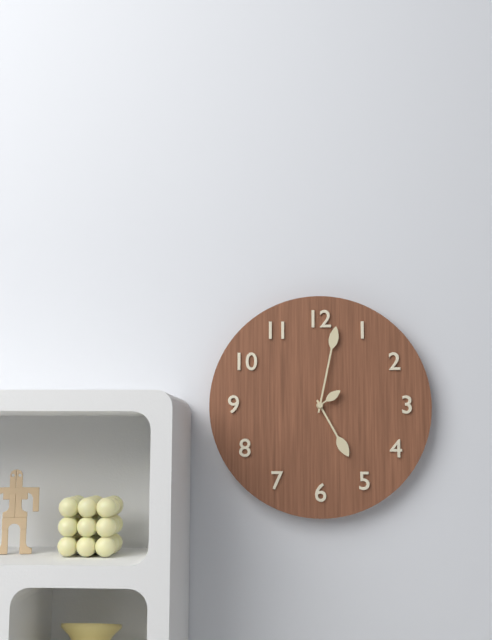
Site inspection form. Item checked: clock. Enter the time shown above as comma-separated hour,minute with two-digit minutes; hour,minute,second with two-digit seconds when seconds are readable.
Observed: 5,02
